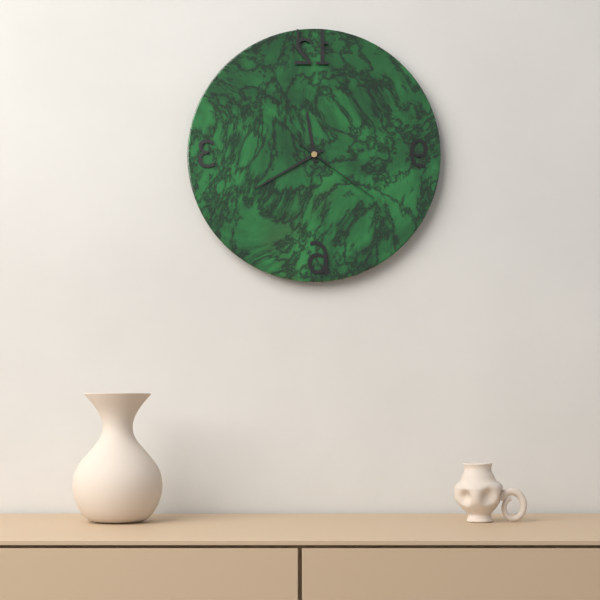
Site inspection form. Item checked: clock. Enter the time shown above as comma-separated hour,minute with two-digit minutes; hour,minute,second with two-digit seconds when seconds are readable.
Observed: 11,40,21
